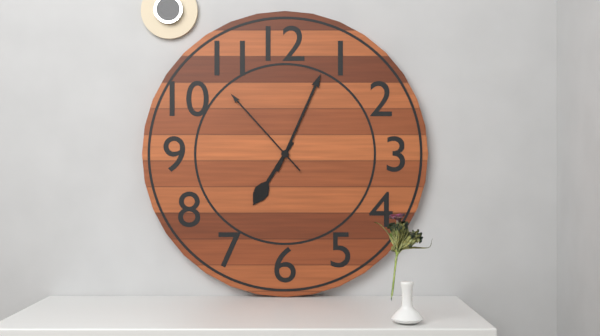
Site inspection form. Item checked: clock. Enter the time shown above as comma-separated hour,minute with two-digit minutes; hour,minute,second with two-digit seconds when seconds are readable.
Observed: 7,04,53
